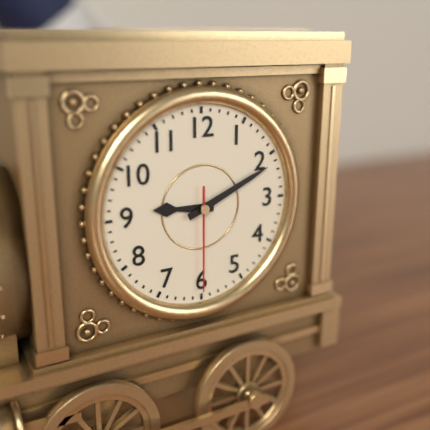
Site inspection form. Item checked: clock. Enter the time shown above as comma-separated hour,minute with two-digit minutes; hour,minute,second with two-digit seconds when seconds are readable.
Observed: 9,11,30
